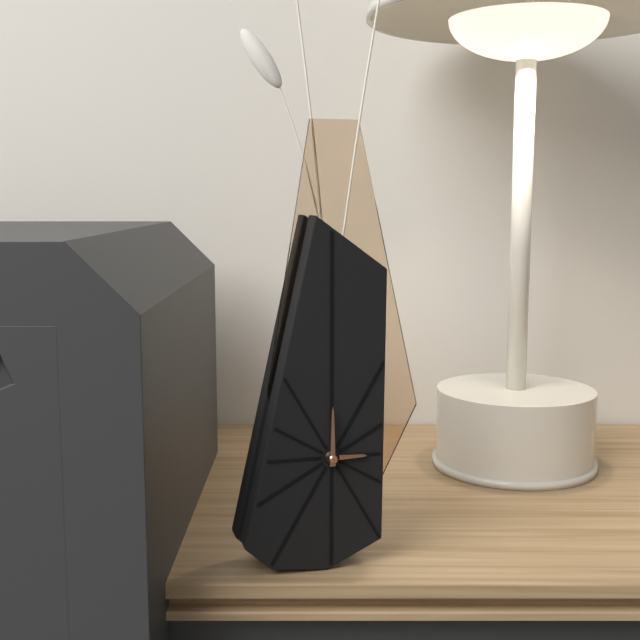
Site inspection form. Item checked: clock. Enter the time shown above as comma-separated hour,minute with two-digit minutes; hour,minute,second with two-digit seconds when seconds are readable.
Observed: 3,00
